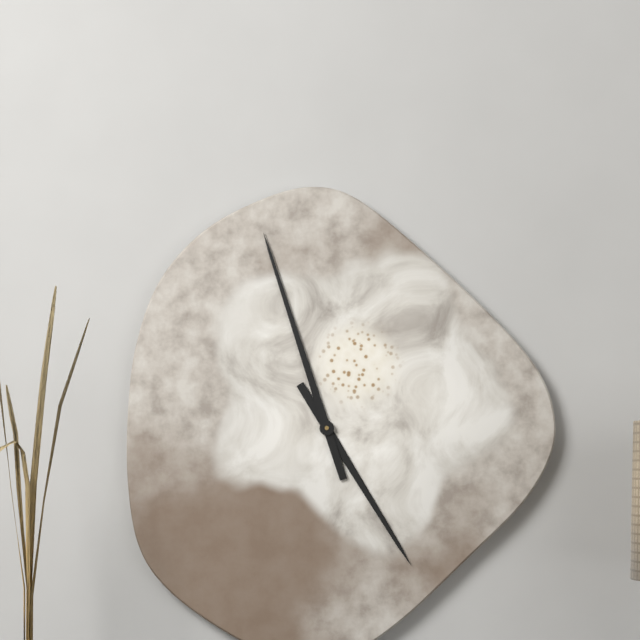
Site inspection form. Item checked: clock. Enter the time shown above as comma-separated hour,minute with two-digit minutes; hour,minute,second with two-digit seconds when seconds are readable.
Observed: 4,57
